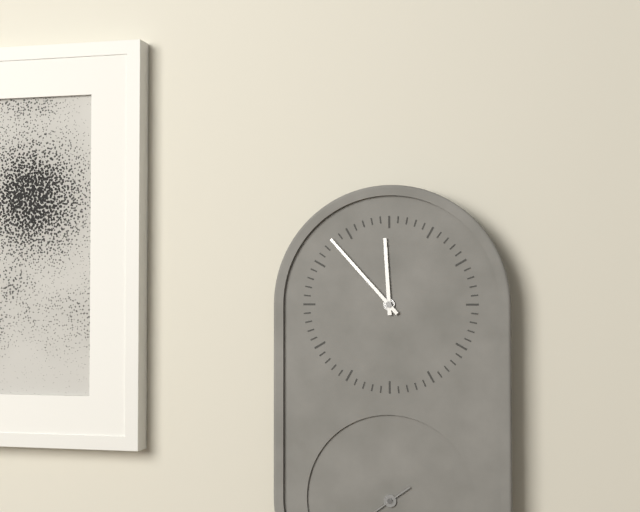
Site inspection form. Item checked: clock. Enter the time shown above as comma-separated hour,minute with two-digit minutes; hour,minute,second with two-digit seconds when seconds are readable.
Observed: 11,53
